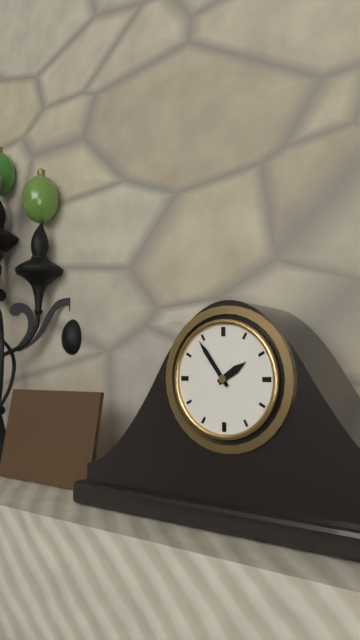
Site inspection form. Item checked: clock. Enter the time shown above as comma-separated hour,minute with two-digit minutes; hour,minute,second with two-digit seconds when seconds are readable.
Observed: 1,54
